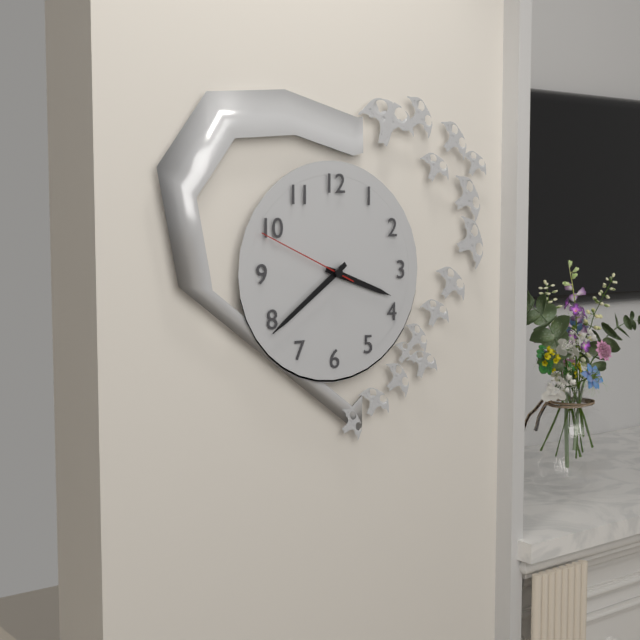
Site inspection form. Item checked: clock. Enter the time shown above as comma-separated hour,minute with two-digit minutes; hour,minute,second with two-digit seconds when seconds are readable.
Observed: 3,39,49
